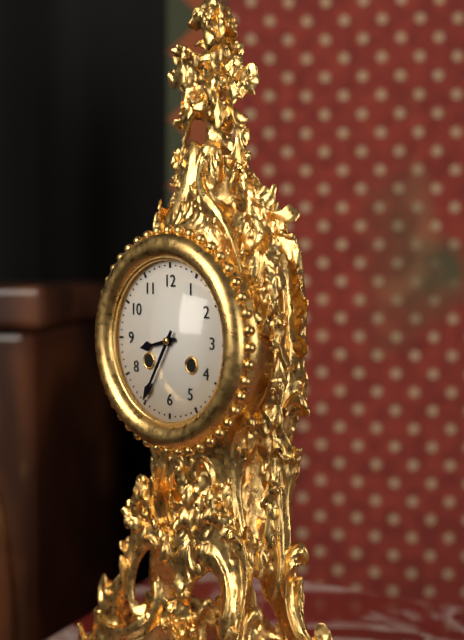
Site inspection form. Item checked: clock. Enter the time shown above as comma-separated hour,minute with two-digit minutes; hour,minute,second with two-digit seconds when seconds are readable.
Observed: 8,35
